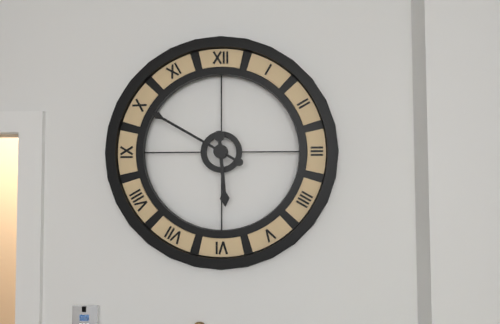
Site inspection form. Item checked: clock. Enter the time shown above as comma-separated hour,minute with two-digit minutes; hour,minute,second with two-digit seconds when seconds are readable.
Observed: 5,50
